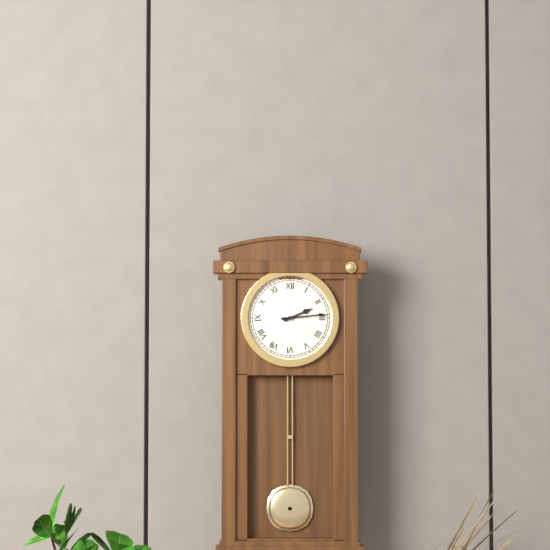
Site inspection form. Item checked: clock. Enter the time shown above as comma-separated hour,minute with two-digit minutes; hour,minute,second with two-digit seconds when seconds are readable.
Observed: 2,14
